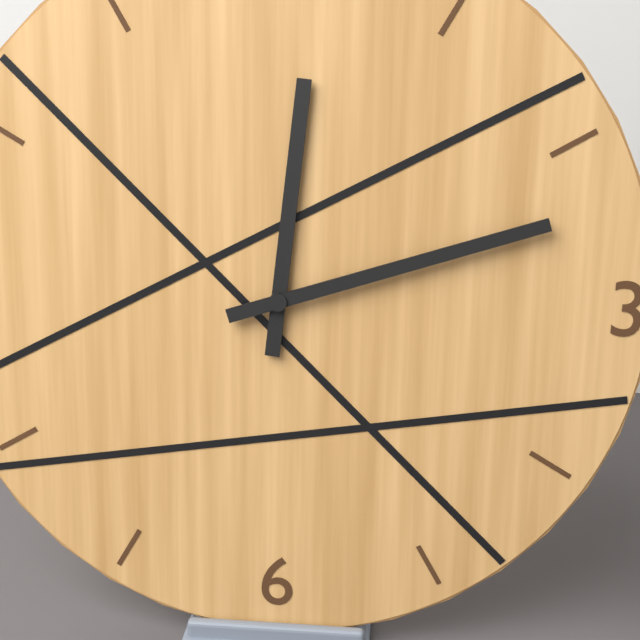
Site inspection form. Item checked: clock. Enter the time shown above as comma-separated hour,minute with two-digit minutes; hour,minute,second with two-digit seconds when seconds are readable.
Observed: 12,12
